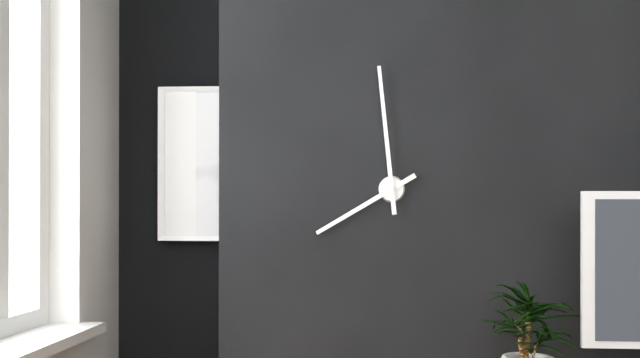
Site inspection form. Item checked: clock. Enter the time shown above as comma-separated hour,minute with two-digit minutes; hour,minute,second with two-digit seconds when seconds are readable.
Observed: 7,59
